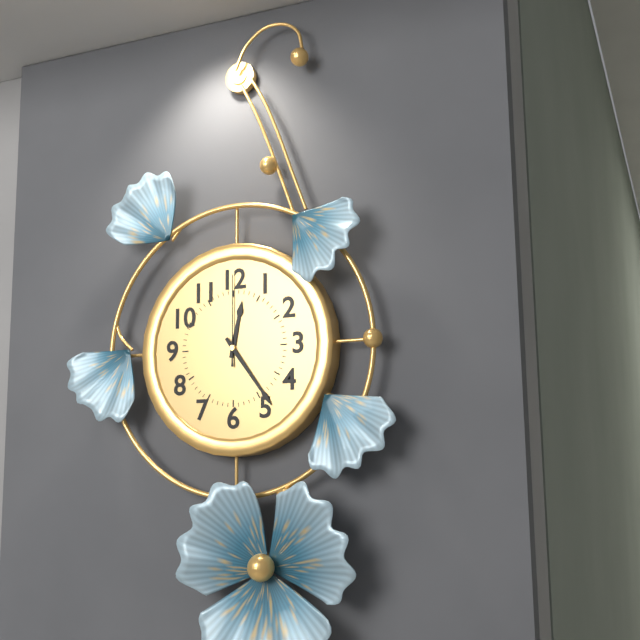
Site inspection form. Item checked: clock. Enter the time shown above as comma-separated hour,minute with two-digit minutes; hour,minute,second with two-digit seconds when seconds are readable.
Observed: 12,24,00
